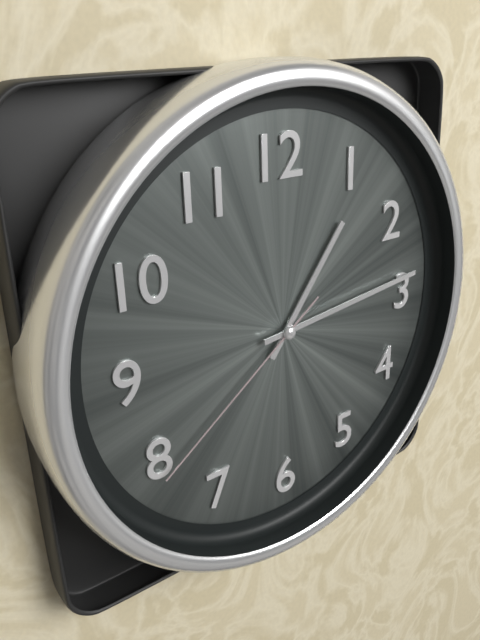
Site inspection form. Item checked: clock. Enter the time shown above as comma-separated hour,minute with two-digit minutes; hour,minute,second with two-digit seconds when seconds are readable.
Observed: 1,14,39
